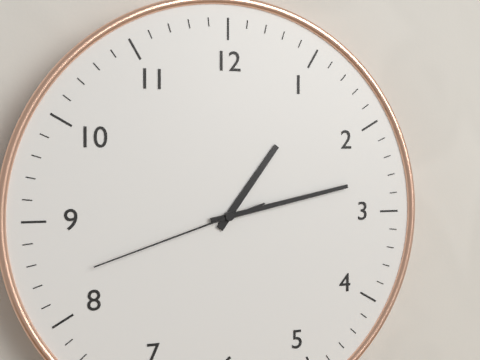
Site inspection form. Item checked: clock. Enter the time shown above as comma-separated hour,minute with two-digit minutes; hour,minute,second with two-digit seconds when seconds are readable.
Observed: 1,13,42
